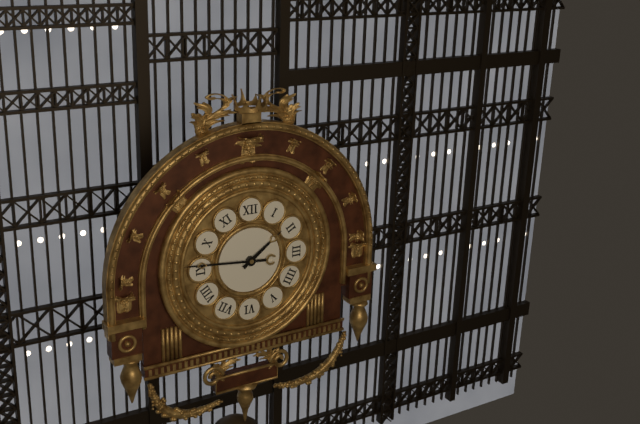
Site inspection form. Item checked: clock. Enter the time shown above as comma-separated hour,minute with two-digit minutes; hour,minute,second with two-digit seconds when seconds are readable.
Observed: 1,46
